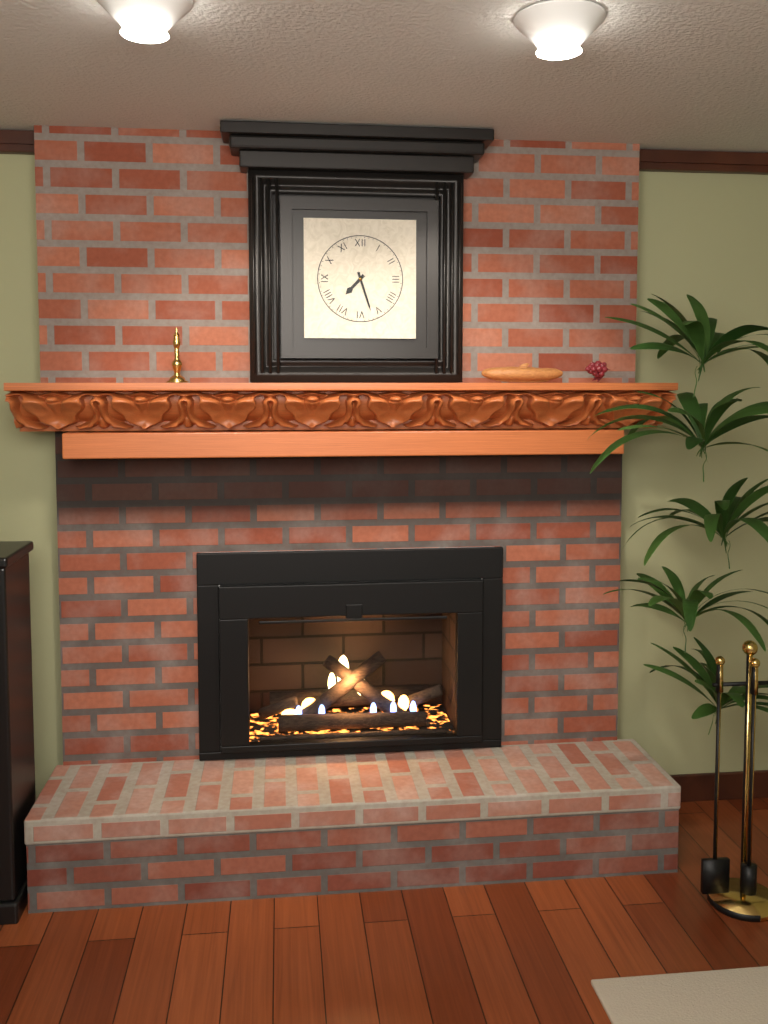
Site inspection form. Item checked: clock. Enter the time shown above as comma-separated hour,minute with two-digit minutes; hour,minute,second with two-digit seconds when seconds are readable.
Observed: 7,27
